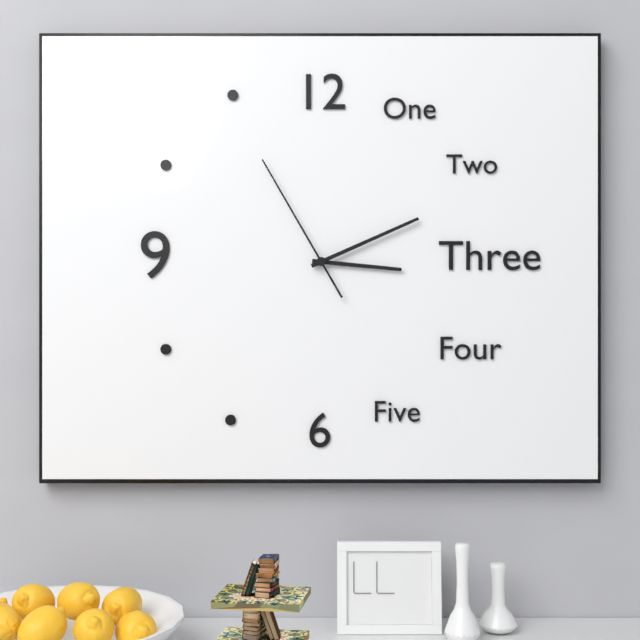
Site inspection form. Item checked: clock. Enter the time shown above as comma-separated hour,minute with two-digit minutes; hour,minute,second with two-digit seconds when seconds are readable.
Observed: 3,11,55
